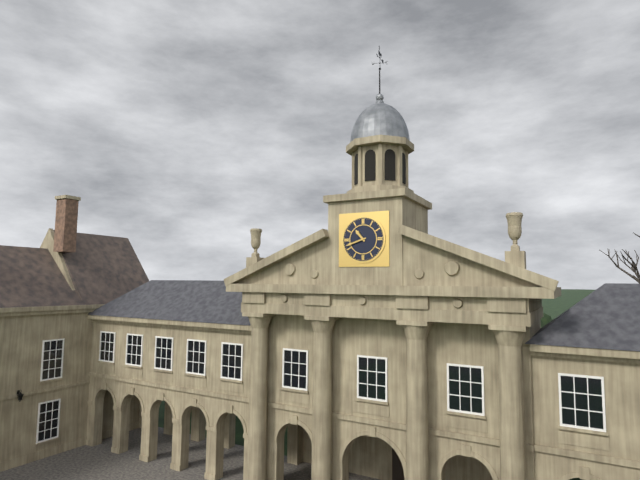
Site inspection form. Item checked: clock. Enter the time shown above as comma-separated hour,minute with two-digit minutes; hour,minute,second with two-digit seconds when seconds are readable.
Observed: 10,42
